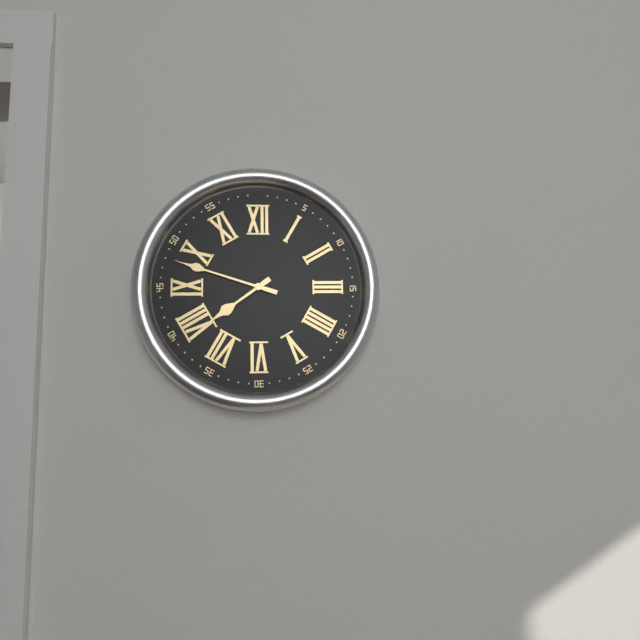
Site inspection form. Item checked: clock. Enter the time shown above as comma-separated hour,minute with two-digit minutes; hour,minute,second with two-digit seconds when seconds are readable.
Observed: 7,48
